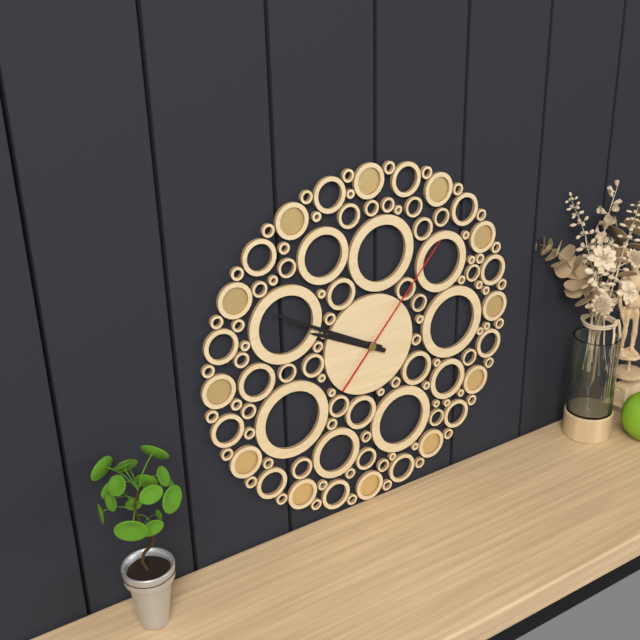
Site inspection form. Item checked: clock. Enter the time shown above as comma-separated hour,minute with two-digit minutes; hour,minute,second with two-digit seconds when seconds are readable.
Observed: 9,50,07
